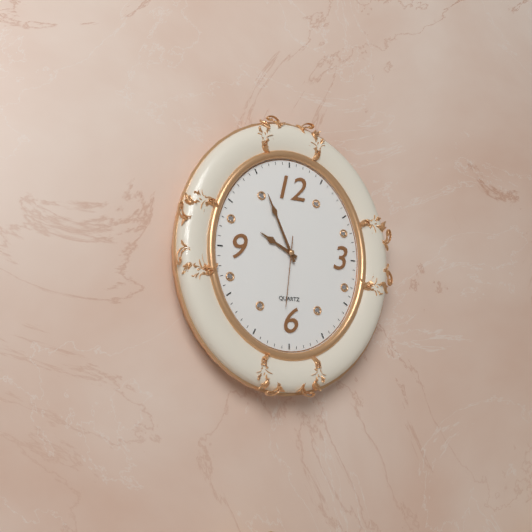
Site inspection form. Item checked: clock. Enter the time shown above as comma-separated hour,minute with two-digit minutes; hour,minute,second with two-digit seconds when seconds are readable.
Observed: 9,56,31
